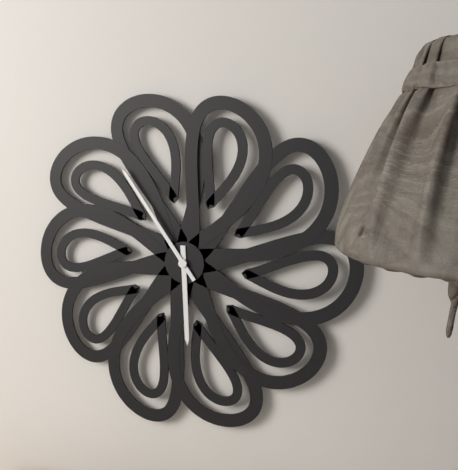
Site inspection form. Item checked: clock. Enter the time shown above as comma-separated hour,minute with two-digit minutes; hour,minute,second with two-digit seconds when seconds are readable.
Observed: 5,54
